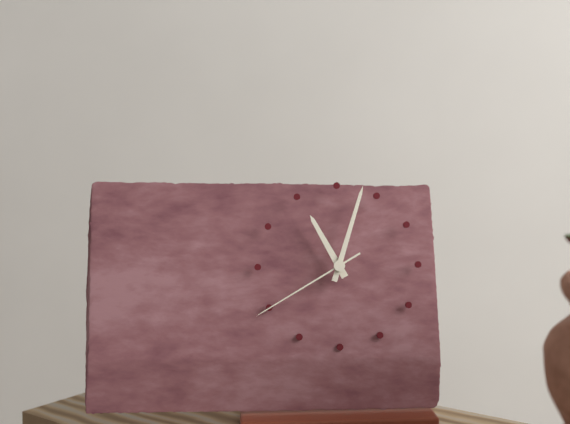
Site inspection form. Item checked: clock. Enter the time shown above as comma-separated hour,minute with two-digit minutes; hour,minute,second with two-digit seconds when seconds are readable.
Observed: 11,03,40
